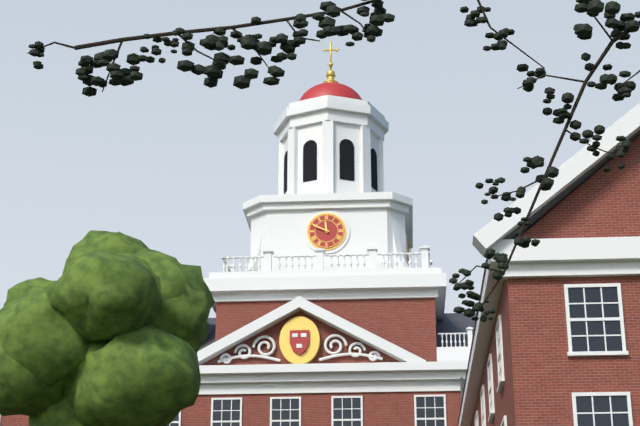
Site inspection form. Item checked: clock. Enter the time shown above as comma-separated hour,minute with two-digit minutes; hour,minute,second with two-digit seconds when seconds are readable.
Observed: 11,49
